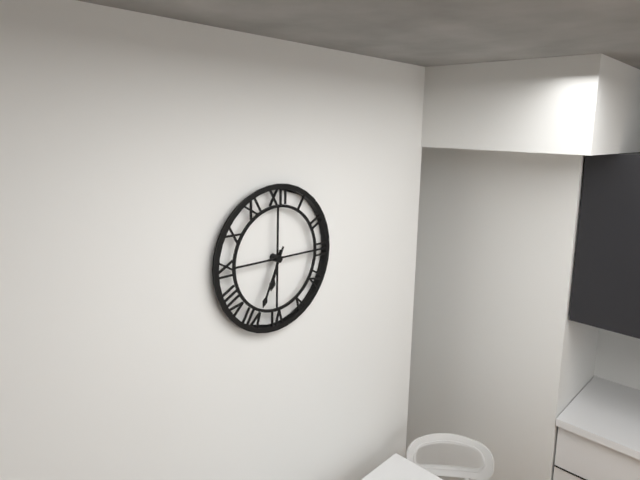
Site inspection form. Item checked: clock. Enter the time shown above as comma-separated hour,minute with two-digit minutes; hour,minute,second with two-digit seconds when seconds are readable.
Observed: 6,34
